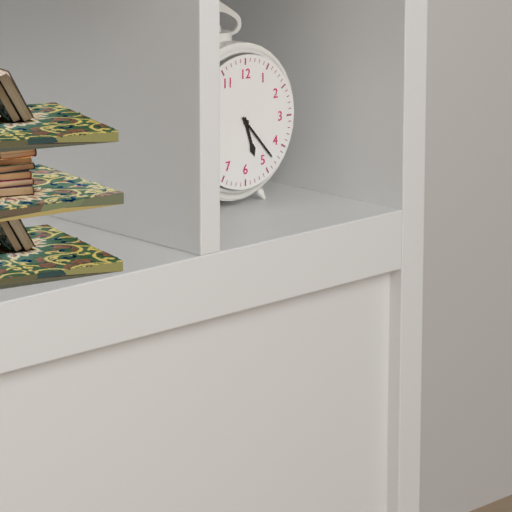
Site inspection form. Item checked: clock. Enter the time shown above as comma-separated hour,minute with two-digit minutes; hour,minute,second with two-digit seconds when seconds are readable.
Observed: 5,23
